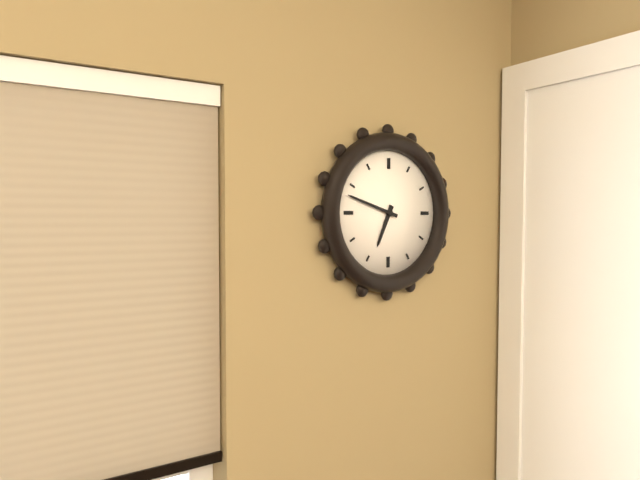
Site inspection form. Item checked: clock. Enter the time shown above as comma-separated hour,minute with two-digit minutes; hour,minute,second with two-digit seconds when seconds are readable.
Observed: 6,48
